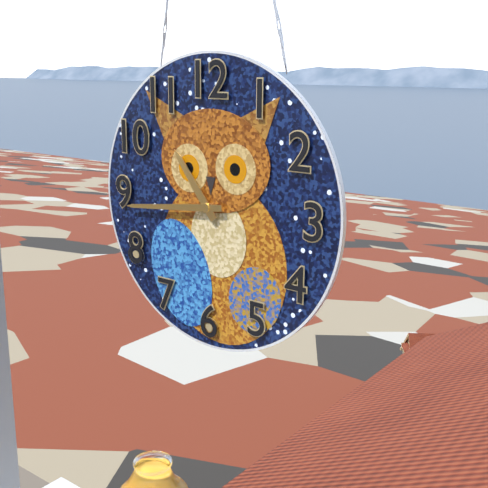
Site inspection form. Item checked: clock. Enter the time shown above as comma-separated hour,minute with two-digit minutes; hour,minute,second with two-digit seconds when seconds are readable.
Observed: 10,44
